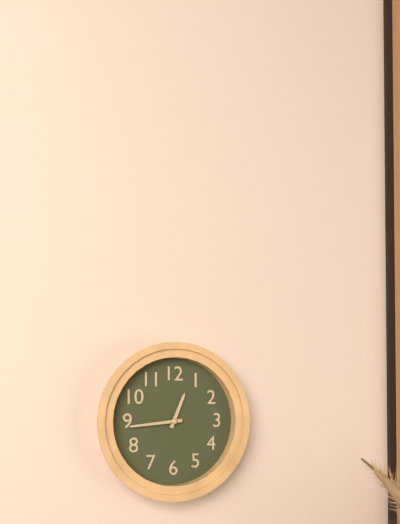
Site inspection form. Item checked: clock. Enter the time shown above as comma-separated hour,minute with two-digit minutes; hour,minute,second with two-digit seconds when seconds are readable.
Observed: 12,44
